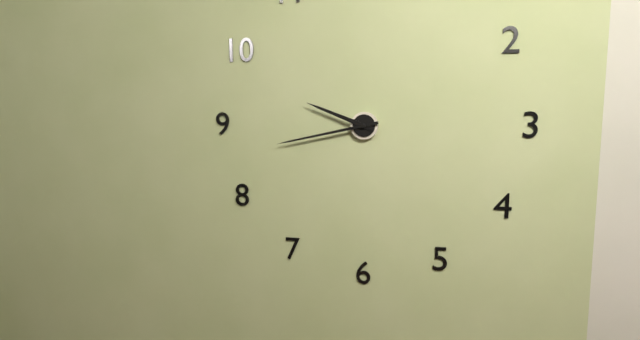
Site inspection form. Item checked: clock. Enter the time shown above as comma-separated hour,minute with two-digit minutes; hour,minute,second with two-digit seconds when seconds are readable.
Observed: 9,43
